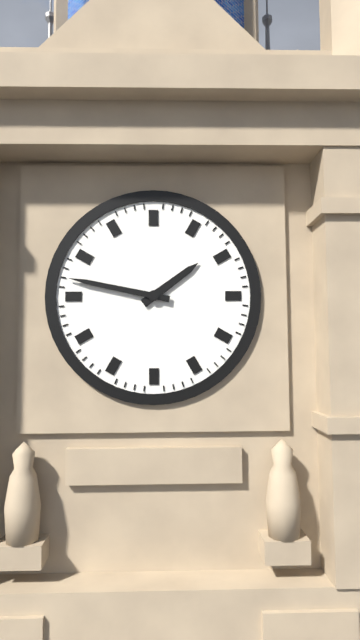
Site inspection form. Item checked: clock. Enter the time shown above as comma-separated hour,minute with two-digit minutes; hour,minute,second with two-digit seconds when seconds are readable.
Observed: 1,47
